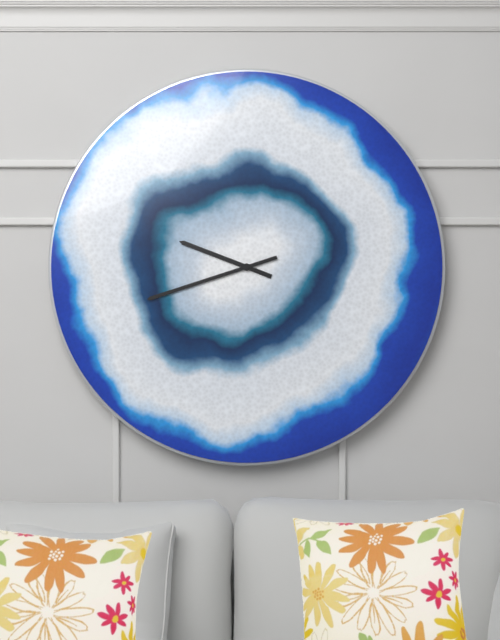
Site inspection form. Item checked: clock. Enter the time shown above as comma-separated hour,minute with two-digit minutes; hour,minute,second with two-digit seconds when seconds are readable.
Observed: 9,42
